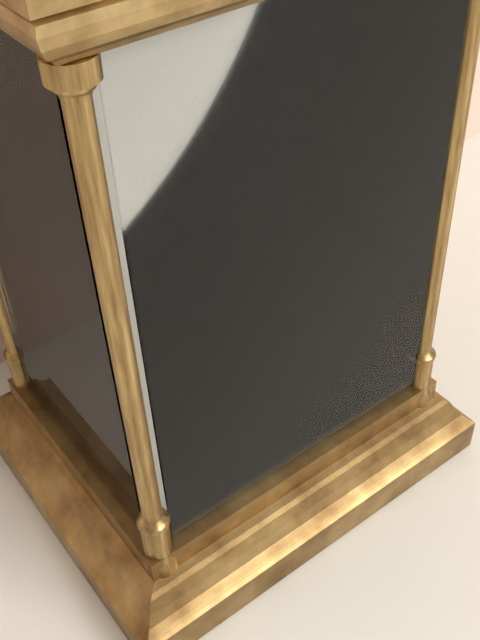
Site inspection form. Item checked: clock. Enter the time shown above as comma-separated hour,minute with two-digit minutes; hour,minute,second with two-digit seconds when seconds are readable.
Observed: 2,12
